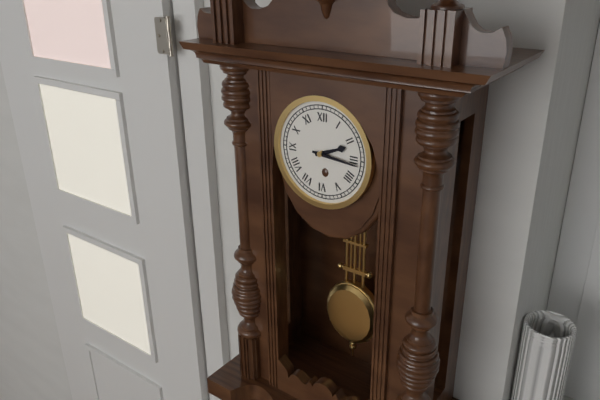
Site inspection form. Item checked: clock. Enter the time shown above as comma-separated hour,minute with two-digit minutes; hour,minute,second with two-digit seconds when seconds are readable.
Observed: 2,16
